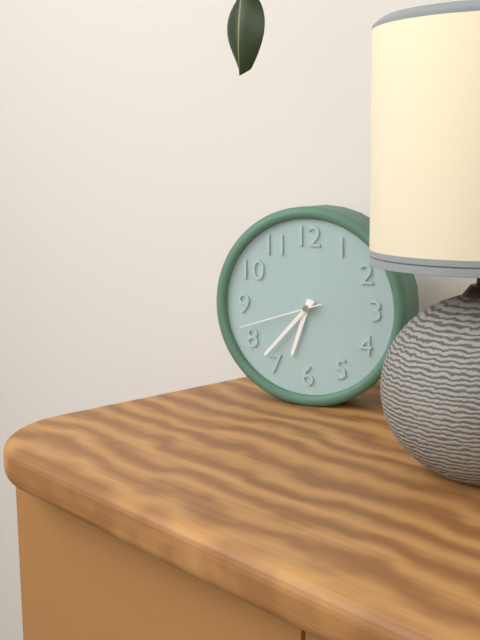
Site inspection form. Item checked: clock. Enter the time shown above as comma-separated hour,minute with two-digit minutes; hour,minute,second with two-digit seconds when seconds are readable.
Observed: 6,37,42
